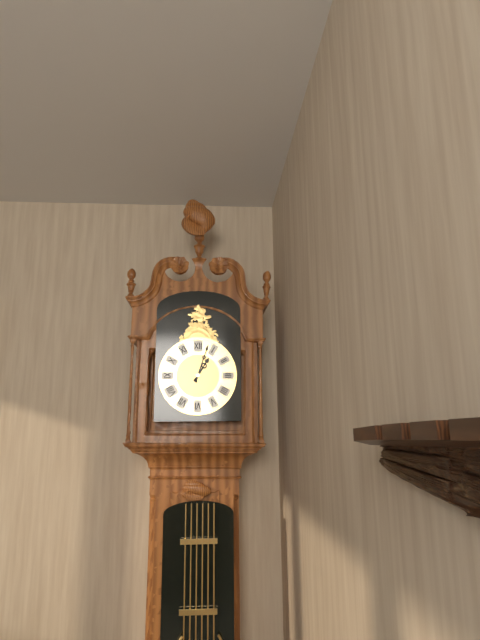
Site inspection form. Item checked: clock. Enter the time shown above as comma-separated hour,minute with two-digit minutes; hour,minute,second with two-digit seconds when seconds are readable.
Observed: 1,03
